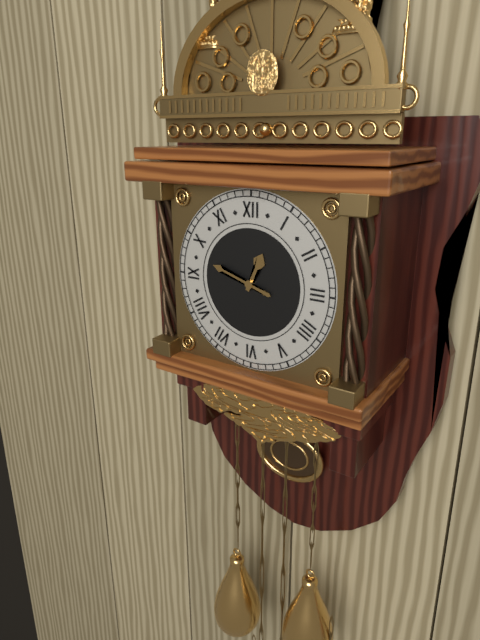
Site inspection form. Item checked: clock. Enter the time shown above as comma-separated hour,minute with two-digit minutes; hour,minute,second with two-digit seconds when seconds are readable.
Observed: 12,48
